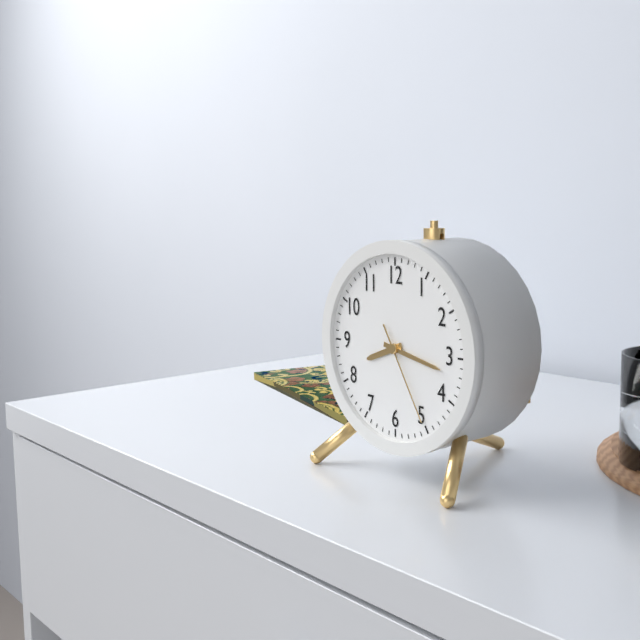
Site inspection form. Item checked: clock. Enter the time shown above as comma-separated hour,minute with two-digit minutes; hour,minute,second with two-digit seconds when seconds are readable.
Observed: 8,17,25
